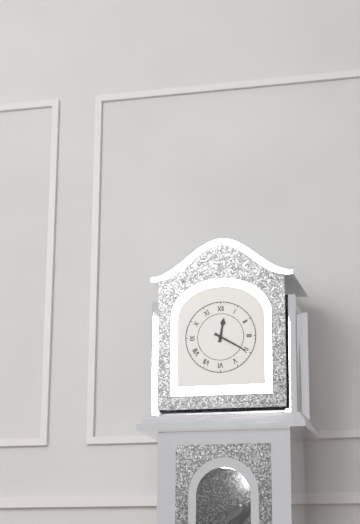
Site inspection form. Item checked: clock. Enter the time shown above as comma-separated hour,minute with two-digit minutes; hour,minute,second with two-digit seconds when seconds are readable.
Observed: 12,20
